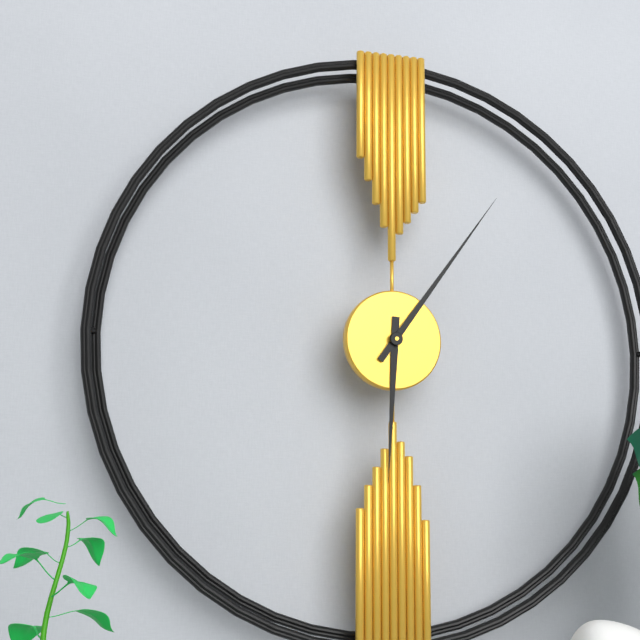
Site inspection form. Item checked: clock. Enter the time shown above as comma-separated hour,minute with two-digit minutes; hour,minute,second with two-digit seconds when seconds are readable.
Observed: 6,06
